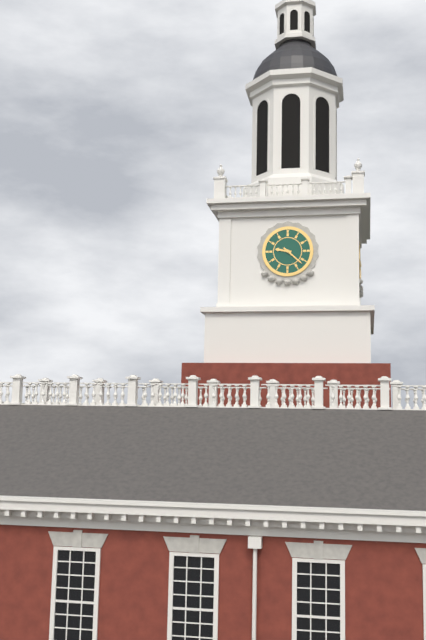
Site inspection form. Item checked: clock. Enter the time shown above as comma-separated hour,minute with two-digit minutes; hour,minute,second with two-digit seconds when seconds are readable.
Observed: 9,22
